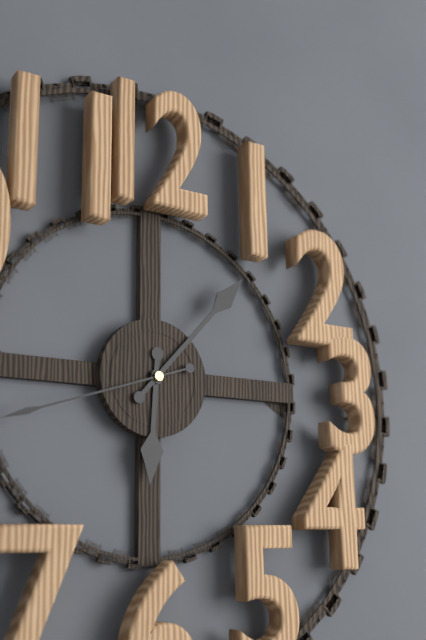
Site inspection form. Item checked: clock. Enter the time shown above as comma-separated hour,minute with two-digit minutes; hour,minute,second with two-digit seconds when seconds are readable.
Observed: 6,07,42
